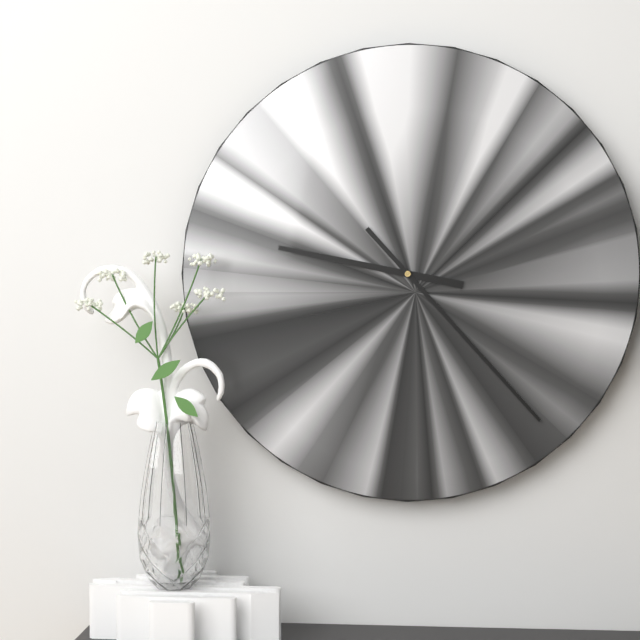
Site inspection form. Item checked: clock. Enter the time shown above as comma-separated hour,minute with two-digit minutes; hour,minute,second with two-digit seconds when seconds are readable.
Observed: 9,23
